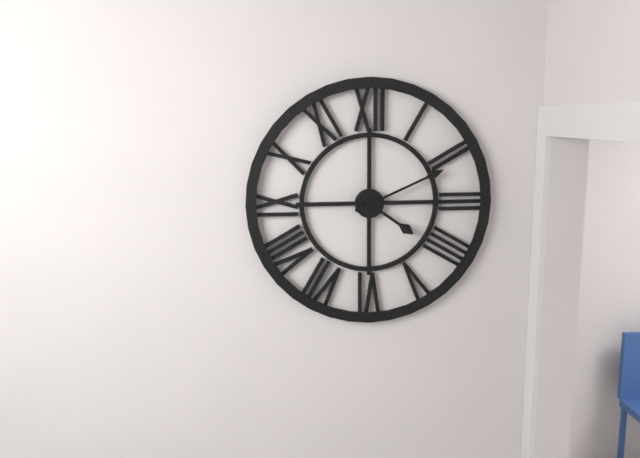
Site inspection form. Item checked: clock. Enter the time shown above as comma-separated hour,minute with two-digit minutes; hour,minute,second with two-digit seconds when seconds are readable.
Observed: 4,11
